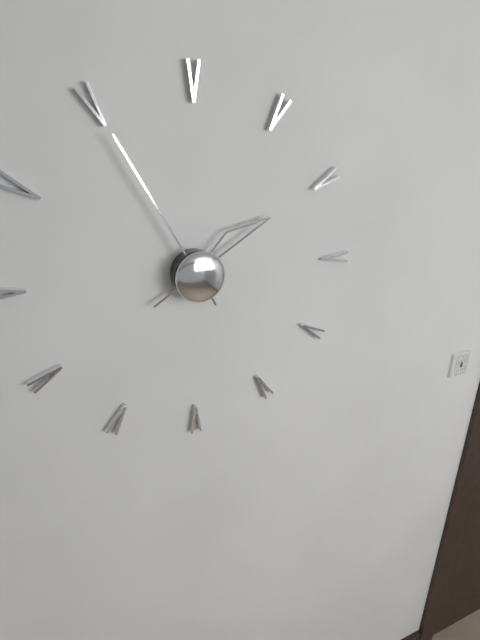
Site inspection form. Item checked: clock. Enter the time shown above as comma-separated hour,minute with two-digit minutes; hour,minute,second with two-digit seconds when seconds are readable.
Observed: 1,55
